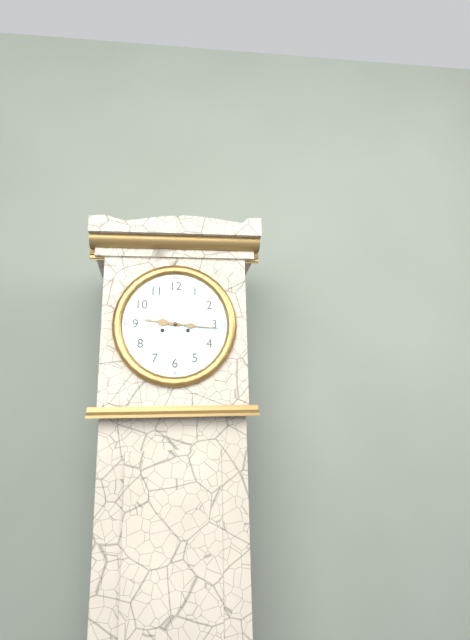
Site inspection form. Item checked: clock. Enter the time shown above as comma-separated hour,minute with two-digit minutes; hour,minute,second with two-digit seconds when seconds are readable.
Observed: 9,16
